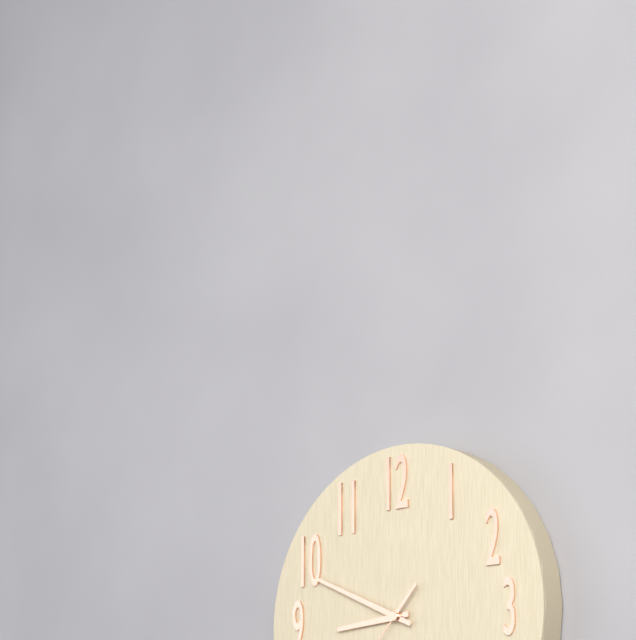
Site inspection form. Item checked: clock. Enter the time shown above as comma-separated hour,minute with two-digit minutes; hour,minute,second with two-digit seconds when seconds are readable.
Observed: 8,49
